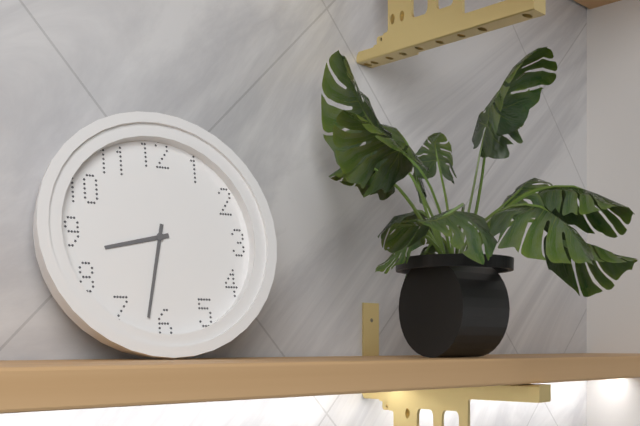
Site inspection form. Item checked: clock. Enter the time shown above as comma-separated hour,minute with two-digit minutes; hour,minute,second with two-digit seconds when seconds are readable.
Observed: 8,32
